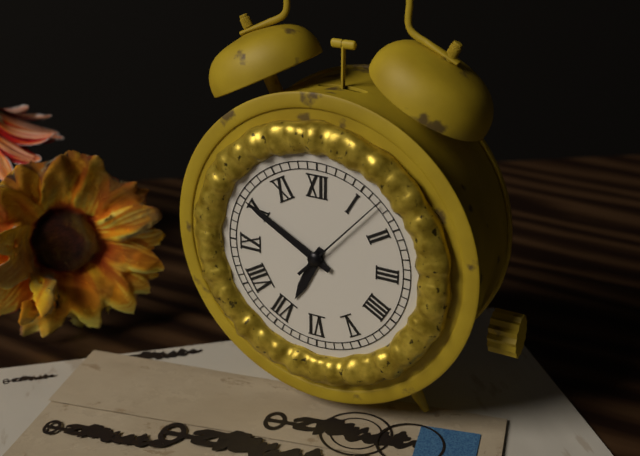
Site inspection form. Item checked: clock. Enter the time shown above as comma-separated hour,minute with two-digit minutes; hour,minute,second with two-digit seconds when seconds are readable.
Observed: 6,50,07
